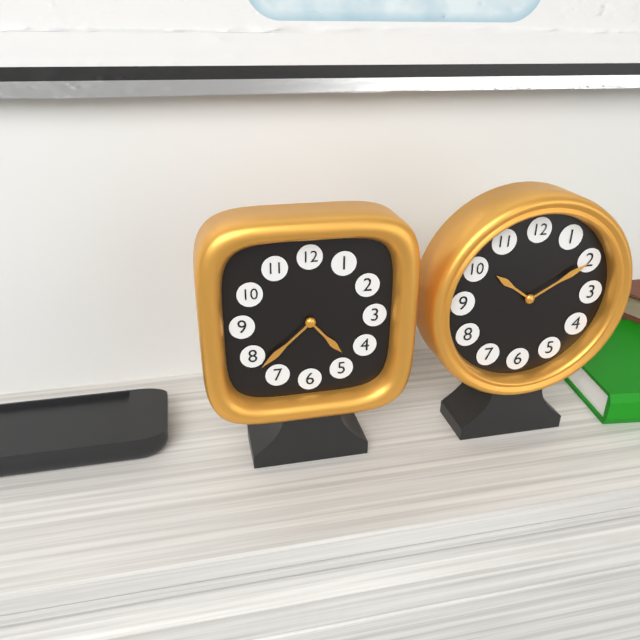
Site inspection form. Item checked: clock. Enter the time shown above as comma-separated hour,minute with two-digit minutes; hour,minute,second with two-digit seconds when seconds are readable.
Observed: 4,38
